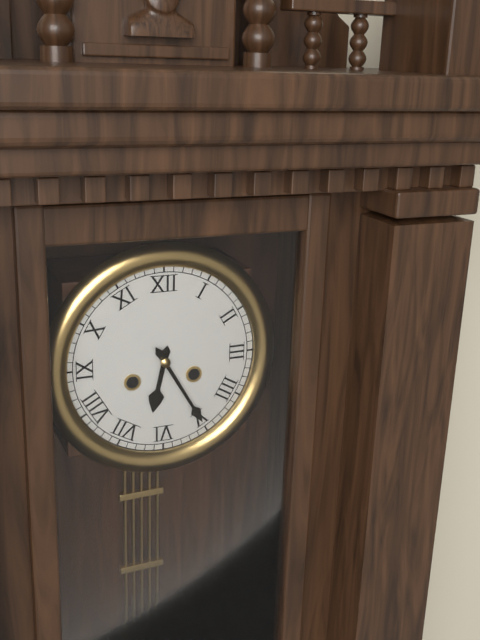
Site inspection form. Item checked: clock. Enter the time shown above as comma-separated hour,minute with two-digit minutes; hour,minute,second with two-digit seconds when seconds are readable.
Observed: 6,25
